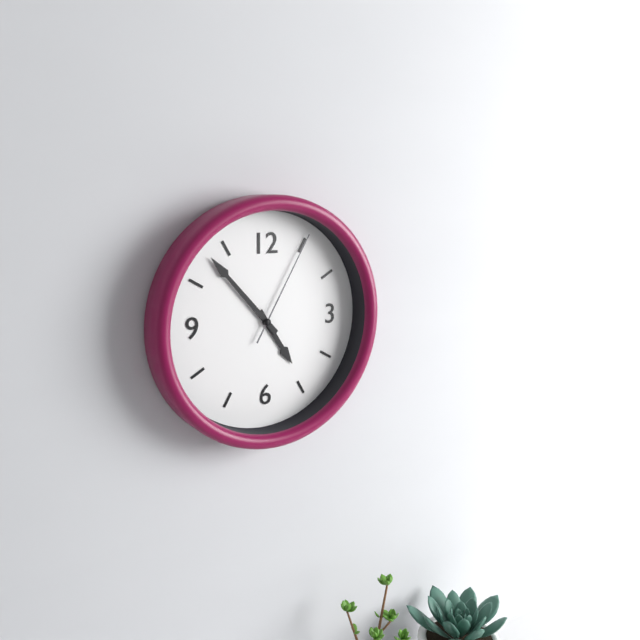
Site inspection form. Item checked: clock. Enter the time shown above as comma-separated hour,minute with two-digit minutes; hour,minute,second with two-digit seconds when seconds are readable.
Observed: 4,53,05
